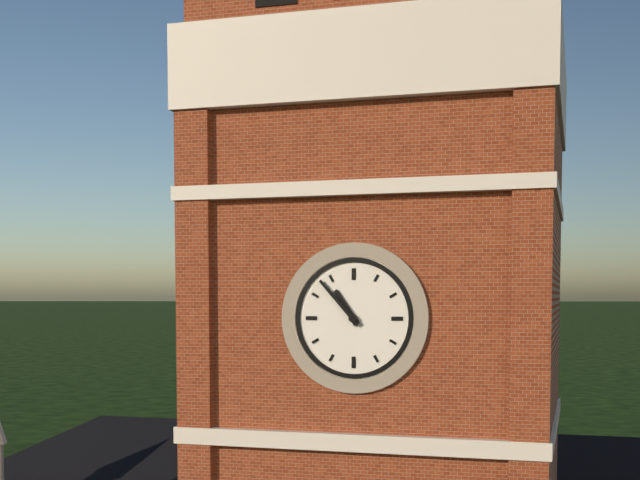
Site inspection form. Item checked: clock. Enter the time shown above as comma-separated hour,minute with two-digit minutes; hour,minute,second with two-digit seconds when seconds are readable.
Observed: 10,53
